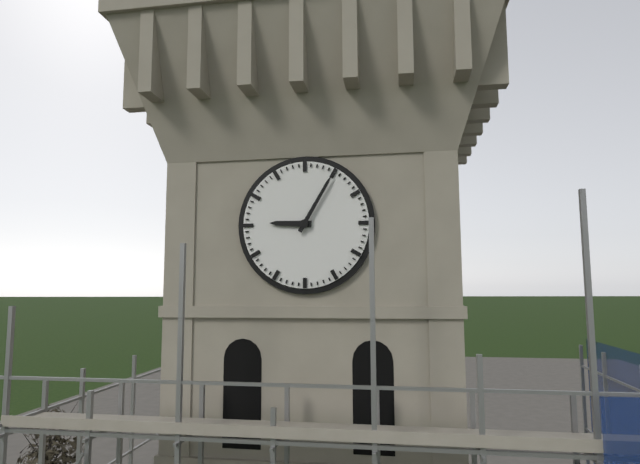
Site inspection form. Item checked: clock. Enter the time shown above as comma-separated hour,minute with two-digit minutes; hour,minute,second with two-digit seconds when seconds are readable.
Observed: 9,05
